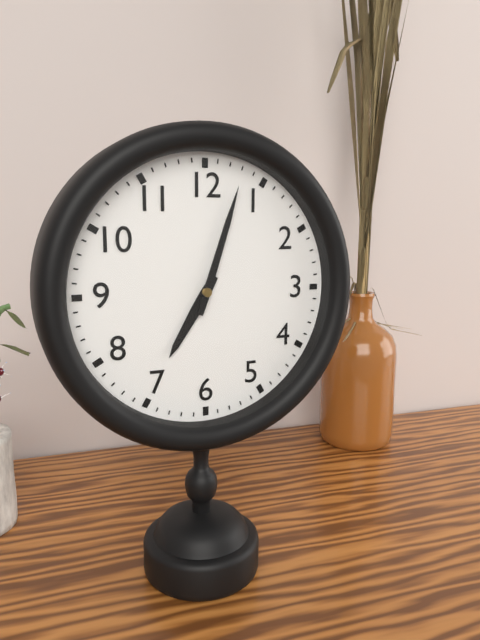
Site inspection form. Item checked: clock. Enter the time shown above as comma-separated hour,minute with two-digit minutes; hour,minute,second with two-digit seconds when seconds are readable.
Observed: 7,03
